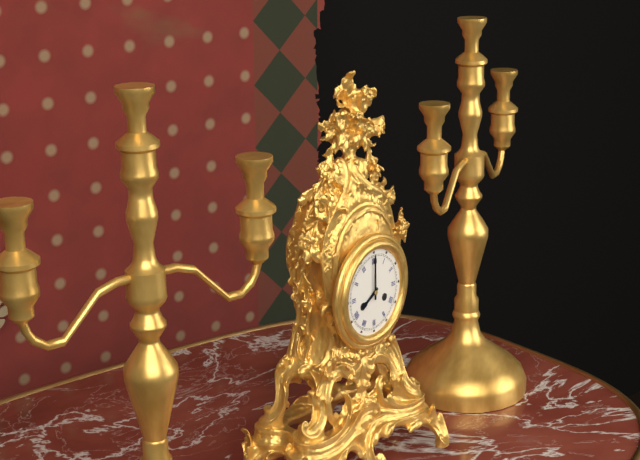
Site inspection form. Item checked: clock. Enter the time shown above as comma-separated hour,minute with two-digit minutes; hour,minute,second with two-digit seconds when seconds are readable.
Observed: 8,00
